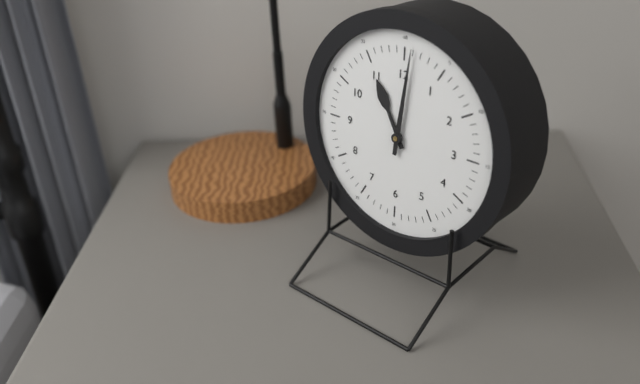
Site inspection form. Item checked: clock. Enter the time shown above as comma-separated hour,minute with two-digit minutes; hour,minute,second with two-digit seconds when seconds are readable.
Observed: 11,01
